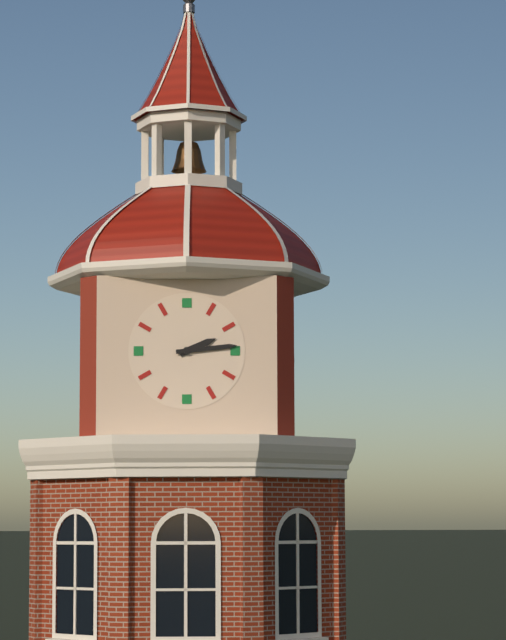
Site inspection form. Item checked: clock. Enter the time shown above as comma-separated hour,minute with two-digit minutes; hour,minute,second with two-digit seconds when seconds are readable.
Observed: 2,14
